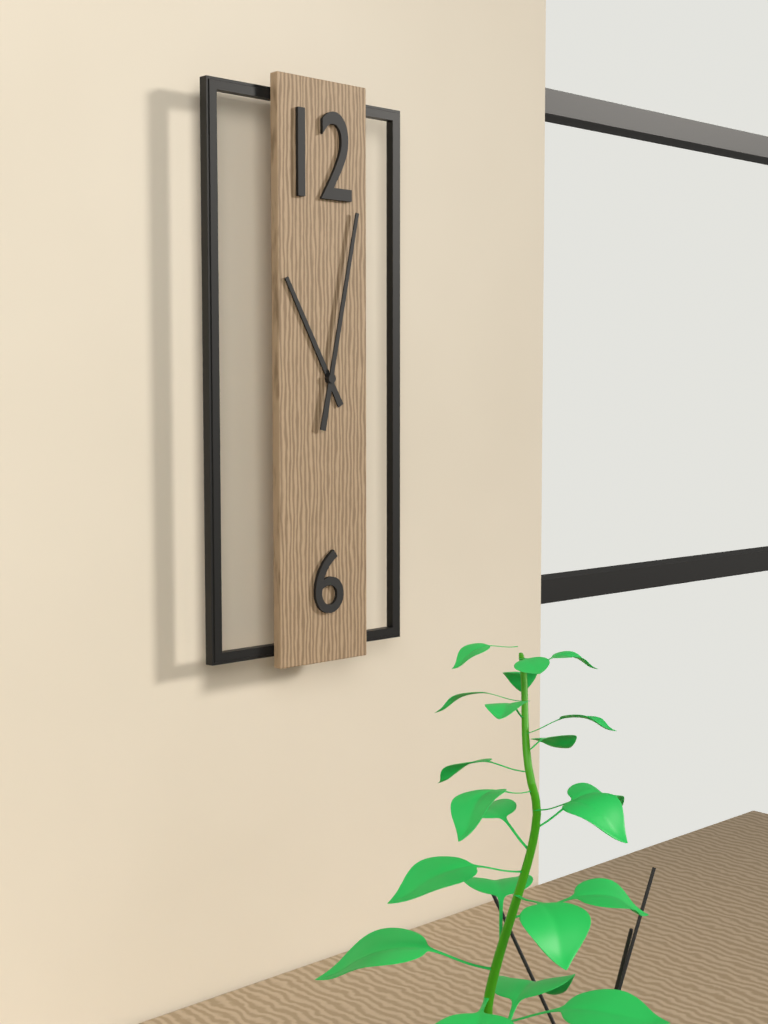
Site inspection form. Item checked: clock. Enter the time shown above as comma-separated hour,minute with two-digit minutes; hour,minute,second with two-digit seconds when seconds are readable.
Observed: 11,02
